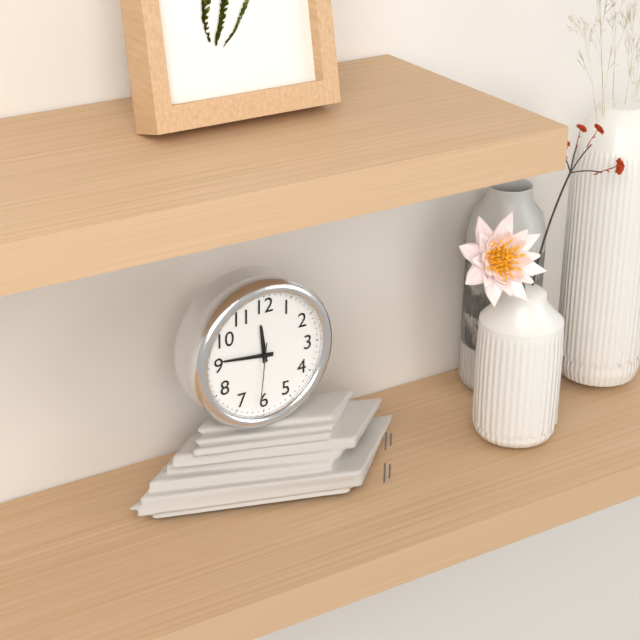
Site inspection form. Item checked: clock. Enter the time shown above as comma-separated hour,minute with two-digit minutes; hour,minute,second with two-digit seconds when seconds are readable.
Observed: 11,46,31
